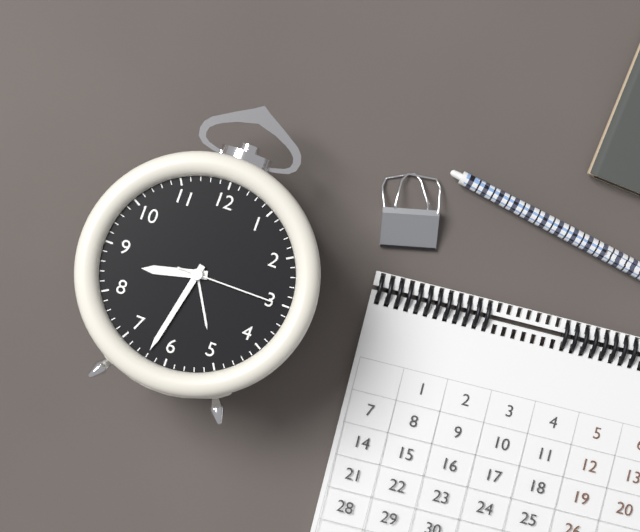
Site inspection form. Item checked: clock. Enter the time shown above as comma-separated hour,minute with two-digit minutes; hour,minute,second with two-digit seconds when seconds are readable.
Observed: 8,32,15
